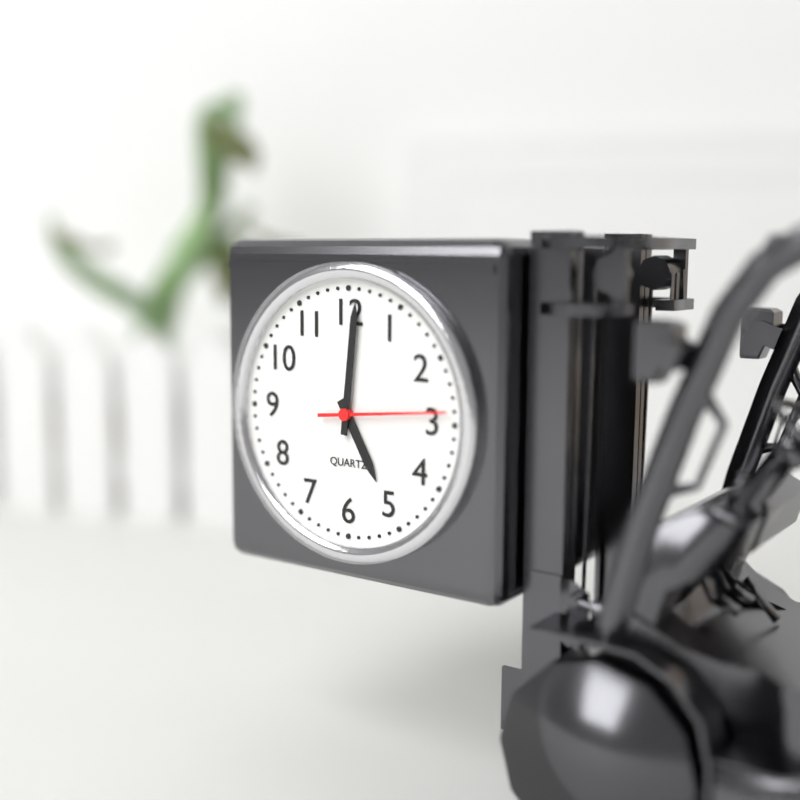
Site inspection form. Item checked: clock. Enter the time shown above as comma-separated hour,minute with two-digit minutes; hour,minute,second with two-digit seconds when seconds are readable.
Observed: 5,01,14
